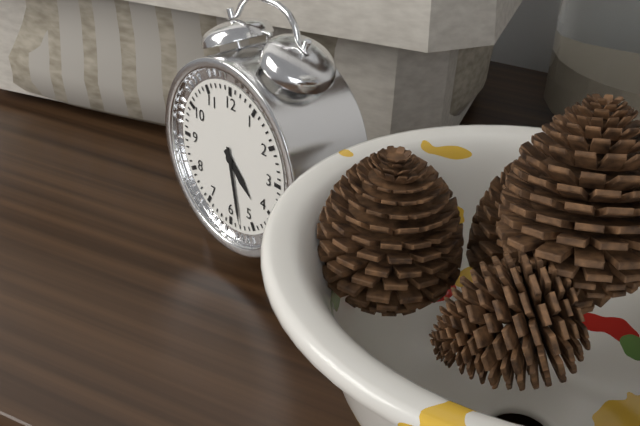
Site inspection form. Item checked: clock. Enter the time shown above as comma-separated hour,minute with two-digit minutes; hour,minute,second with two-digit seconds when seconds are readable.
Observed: 4,28
